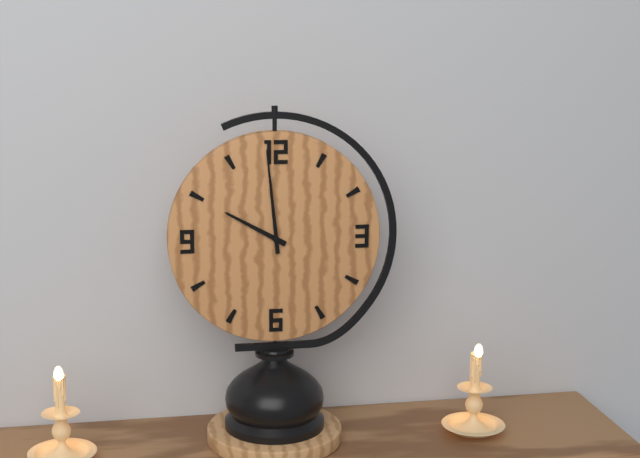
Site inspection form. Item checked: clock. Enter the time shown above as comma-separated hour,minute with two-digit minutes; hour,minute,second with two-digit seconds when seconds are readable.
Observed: 9,59
